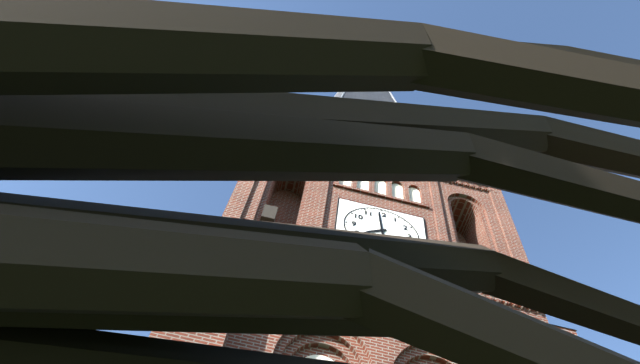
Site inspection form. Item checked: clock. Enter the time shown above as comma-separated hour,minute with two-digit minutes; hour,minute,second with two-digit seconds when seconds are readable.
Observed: 7,59
